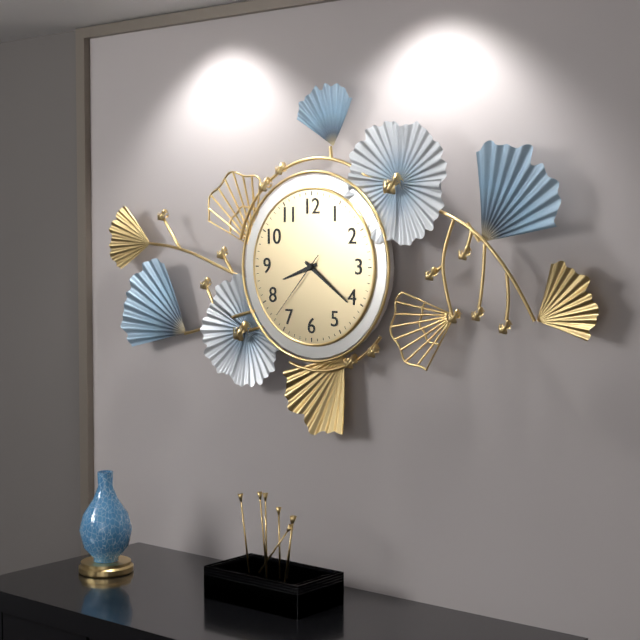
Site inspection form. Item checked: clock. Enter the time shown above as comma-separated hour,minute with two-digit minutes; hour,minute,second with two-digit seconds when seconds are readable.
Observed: 8,21,37
